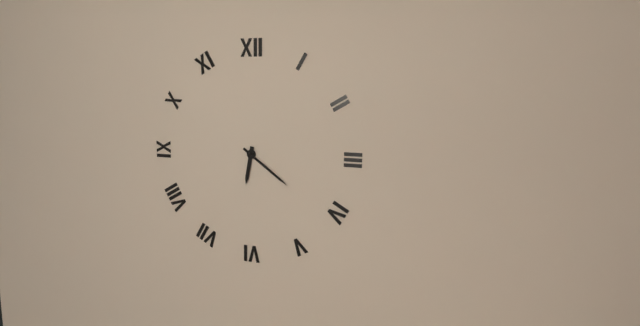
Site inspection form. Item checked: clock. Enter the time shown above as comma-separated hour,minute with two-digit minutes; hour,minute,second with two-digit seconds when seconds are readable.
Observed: 6,21
